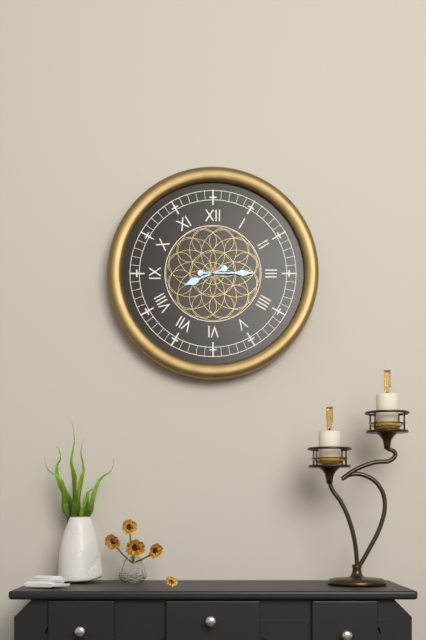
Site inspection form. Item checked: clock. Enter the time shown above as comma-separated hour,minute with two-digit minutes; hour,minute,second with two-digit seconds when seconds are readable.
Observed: 8,15
